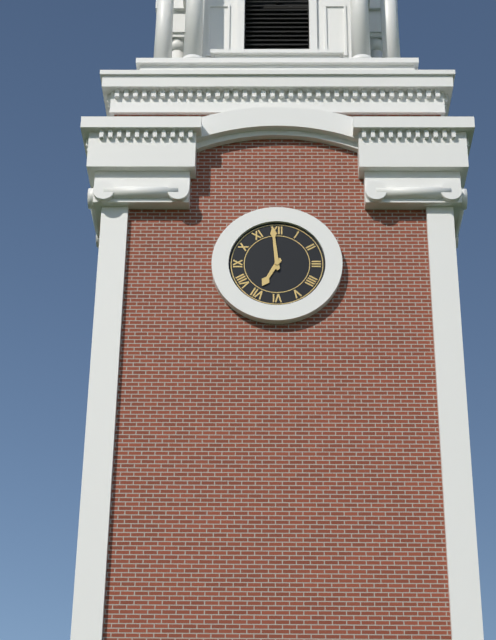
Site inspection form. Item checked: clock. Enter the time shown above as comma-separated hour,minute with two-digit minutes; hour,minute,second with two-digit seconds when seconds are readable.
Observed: 6,59
